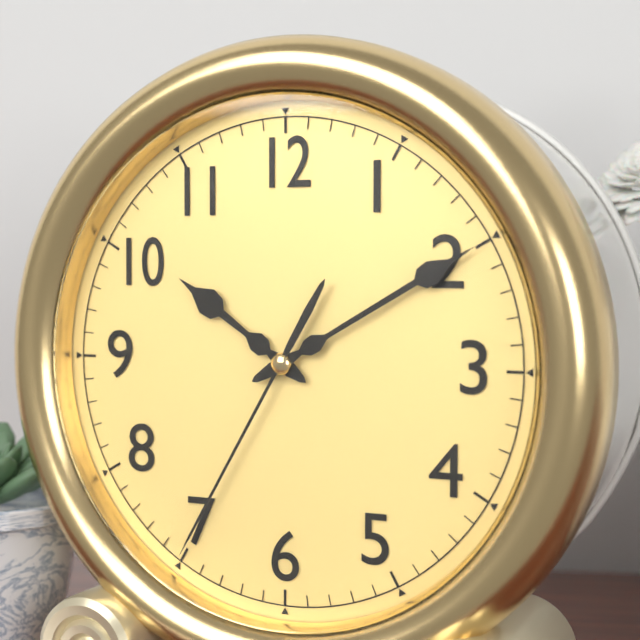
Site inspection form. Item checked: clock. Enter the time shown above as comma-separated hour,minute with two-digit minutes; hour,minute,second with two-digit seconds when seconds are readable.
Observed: 10,10,35
